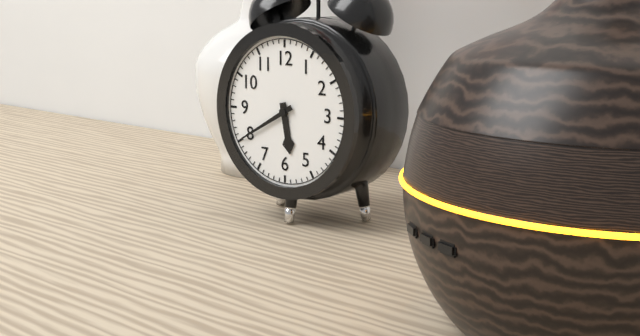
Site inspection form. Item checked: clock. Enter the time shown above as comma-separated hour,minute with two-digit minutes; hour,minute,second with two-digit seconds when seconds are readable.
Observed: 5,40
